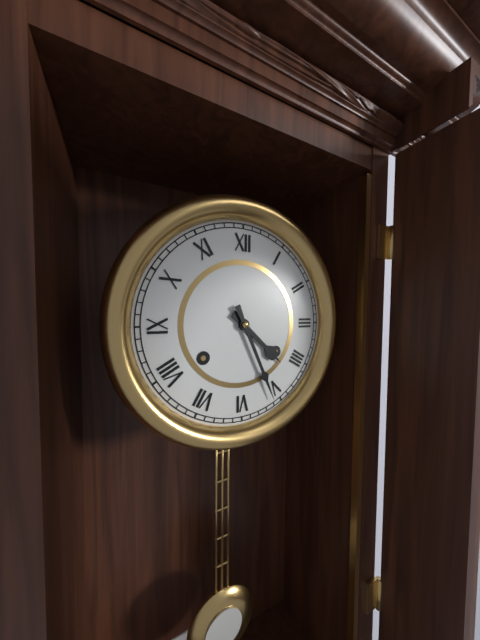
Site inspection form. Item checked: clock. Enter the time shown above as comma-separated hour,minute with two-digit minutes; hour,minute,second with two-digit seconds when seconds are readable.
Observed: 4,26
